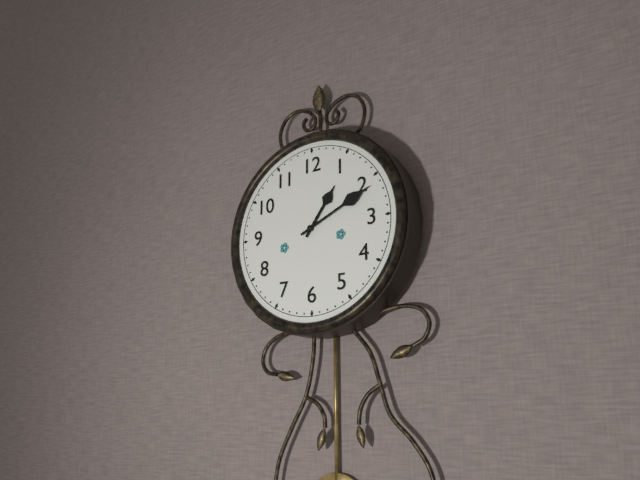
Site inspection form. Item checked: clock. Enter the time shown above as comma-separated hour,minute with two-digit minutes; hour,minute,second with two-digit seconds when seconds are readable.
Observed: 1,11
